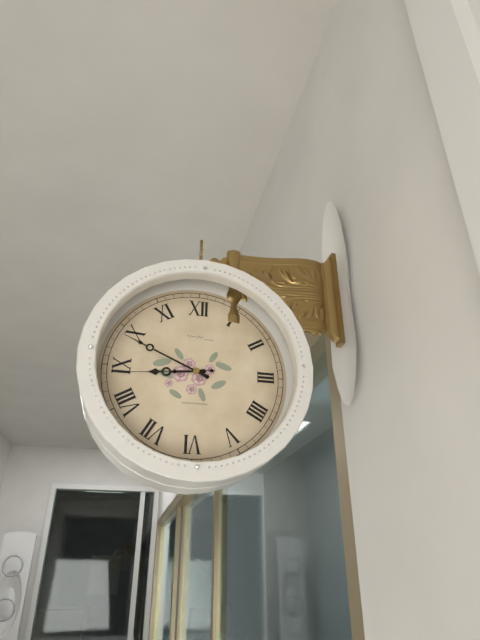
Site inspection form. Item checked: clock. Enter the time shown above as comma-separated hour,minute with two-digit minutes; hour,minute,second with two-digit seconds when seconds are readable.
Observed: 8,49,44
